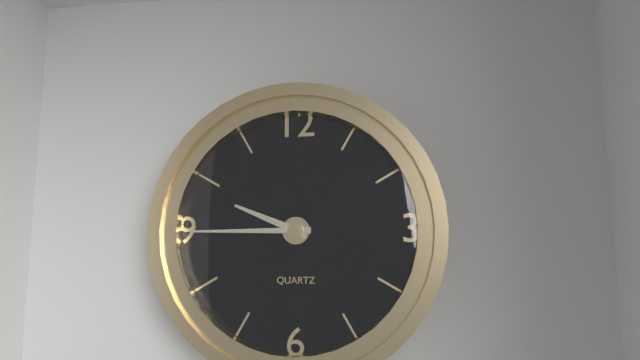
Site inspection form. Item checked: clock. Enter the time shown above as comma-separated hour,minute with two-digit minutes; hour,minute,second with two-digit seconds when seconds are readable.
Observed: 9,45
